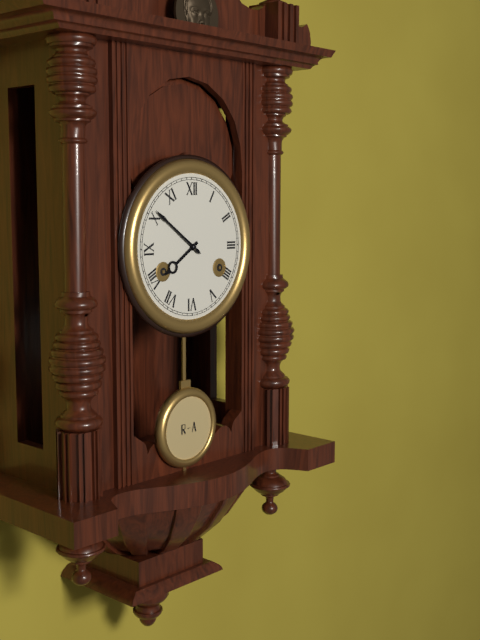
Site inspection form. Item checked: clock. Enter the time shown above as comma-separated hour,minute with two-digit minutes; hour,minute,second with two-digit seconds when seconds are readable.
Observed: 7,51
